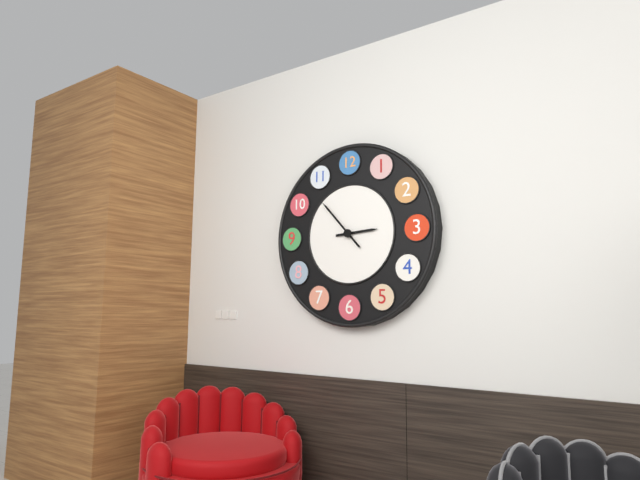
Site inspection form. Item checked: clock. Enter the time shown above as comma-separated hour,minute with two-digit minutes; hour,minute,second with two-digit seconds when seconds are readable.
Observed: 2,53
